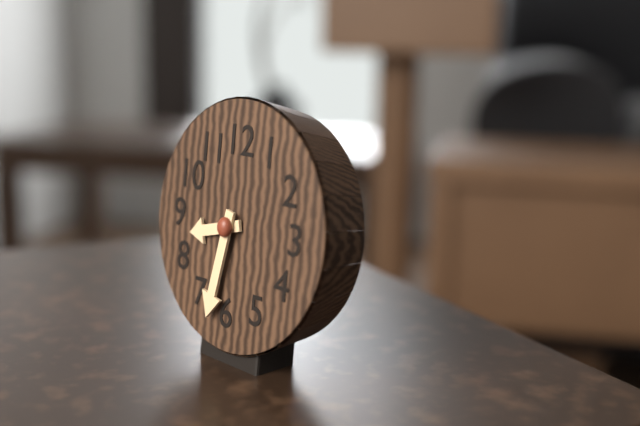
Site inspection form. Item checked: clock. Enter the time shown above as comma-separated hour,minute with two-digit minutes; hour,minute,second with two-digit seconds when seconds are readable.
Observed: 8,32
